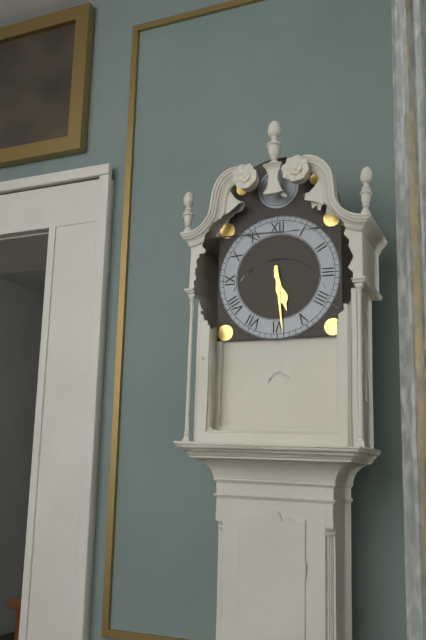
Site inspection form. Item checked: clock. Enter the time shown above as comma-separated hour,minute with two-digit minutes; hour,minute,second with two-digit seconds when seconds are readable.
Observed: 5,29
